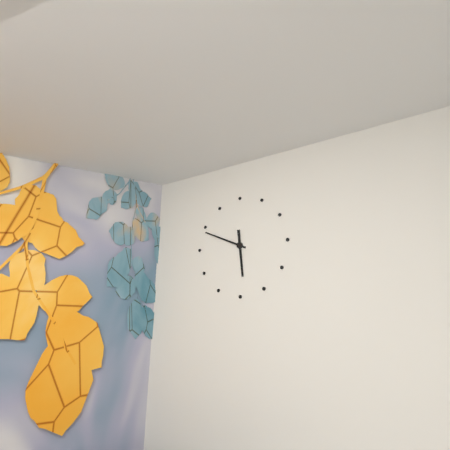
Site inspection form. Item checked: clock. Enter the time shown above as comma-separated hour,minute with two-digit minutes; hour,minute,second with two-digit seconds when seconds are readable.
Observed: 5,49
